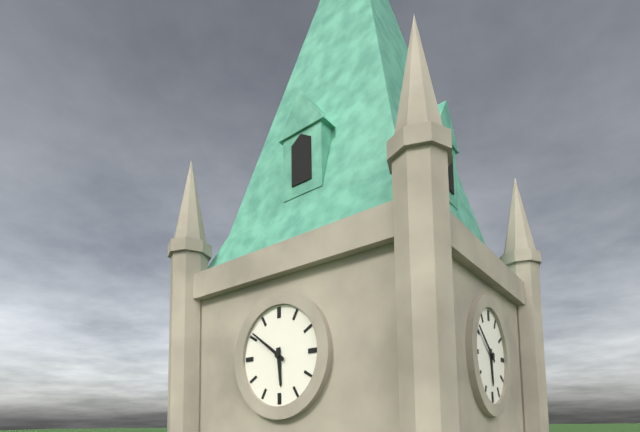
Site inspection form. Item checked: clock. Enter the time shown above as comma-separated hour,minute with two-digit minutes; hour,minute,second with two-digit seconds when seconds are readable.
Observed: 5,51
